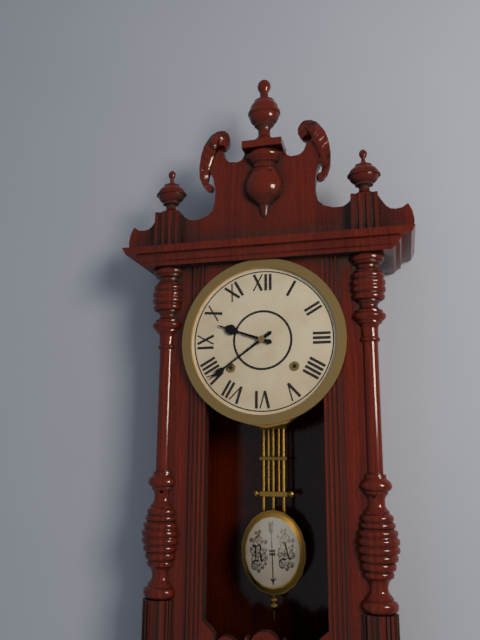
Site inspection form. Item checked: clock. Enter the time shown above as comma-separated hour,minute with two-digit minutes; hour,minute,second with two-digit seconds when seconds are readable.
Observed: 9,39
